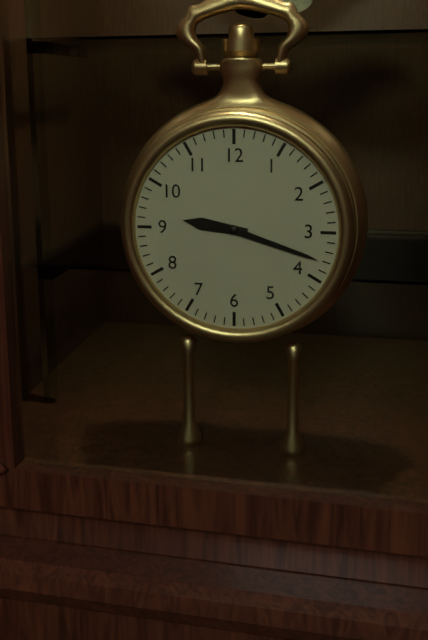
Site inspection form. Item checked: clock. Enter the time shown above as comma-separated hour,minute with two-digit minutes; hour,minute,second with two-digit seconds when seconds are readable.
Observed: 9,18
